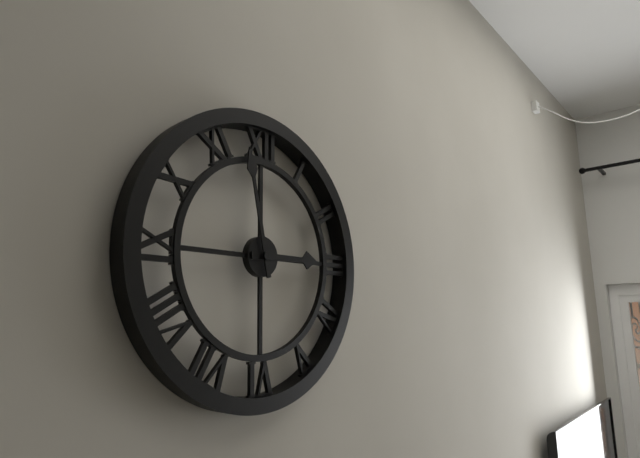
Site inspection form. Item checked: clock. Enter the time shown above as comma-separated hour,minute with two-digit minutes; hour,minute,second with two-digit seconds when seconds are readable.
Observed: 2,58
